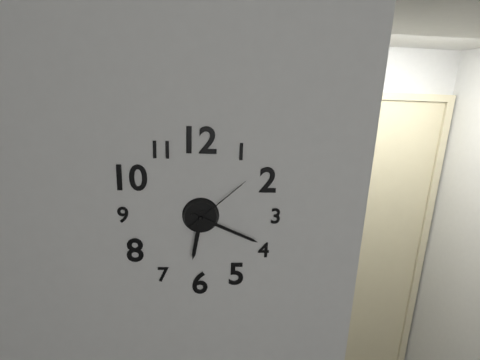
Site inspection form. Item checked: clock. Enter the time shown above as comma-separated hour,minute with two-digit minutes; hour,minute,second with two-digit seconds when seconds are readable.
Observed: 6,19,08
